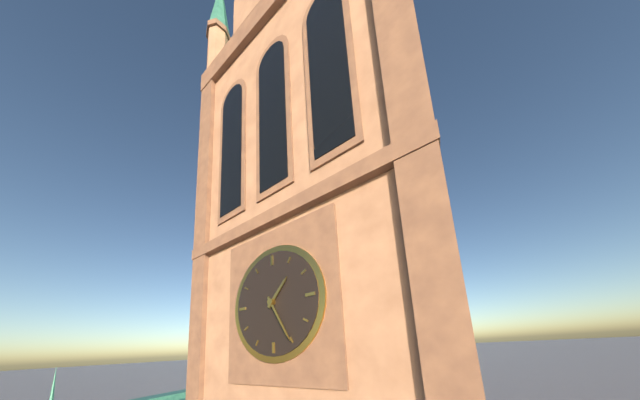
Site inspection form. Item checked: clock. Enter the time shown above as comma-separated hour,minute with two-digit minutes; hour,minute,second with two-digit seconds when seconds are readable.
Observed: 1,25
